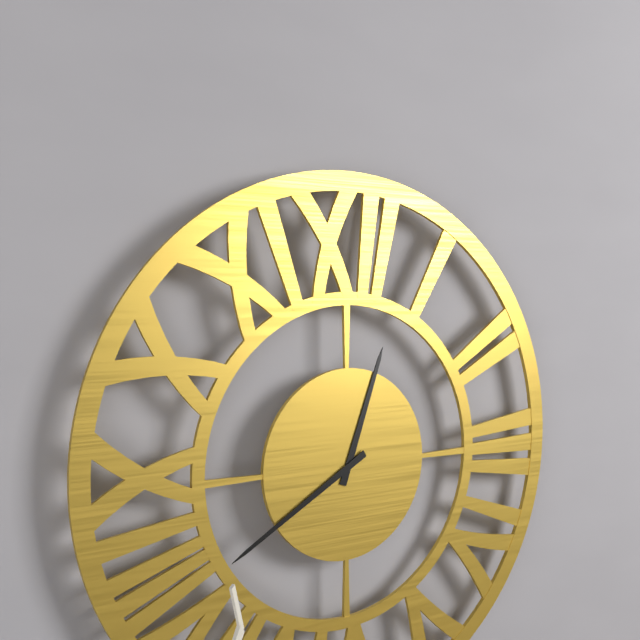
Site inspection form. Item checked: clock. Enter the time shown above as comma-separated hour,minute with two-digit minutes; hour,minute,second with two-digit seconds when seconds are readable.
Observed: 12,40
